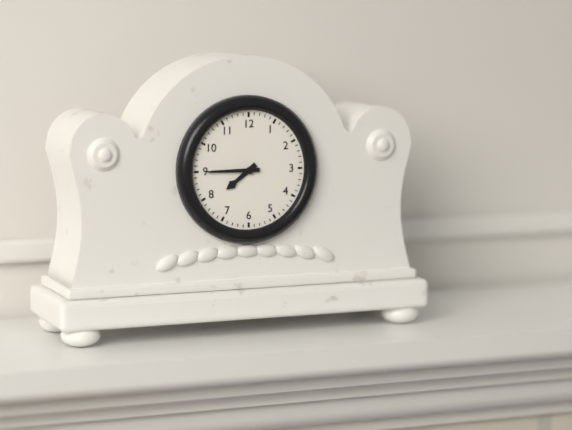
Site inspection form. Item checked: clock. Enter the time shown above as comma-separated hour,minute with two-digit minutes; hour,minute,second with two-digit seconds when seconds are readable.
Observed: 7,45
